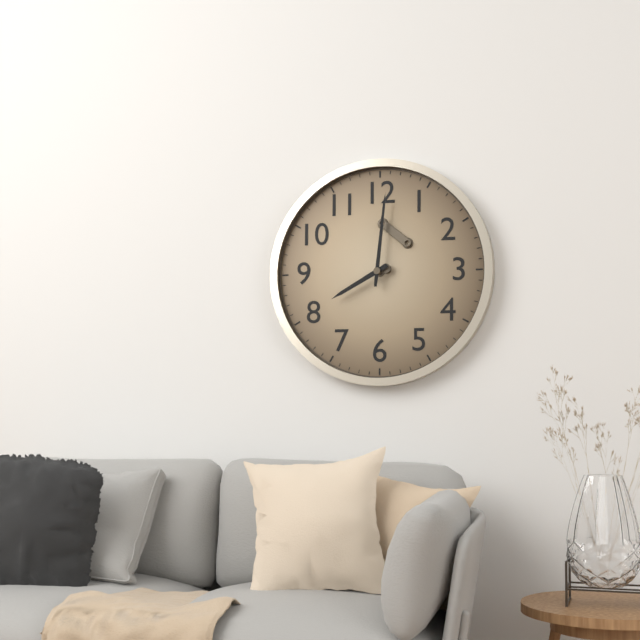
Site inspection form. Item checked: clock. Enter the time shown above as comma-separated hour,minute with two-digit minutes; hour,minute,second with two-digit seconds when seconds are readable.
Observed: 8,01
